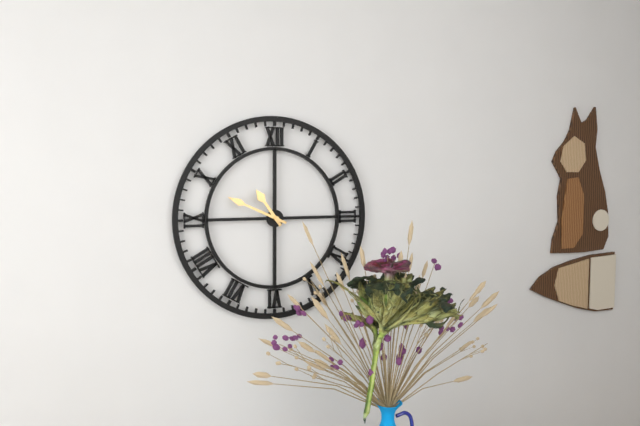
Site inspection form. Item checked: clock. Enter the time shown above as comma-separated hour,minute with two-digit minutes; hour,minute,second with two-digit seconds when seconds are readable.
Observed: 10,49
